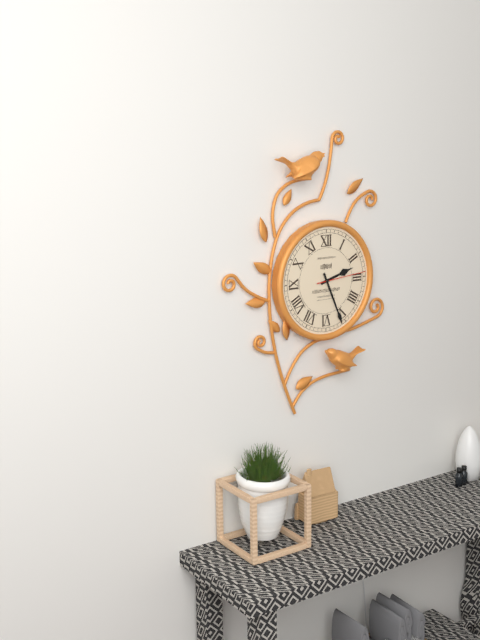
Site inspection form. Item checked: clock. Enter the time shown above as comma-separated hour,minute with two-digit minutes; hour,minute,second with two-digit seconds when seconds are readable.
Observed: 2,26
